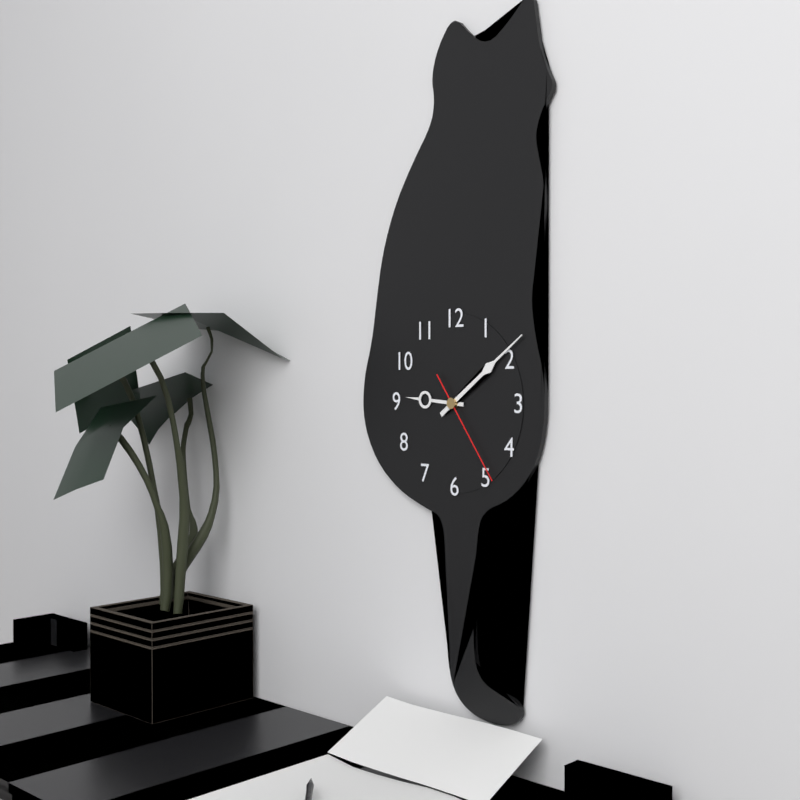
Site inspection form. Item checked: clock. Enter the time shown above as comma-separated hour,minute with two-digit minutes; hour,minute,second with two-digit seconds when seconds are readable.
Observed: 9,09,24
